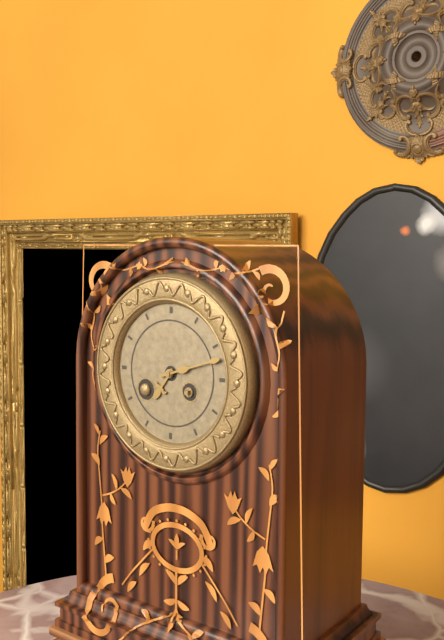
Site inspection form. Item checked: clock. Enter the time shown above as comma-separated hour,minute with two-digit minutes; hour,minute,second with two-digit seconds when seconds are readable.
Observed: 7,12
